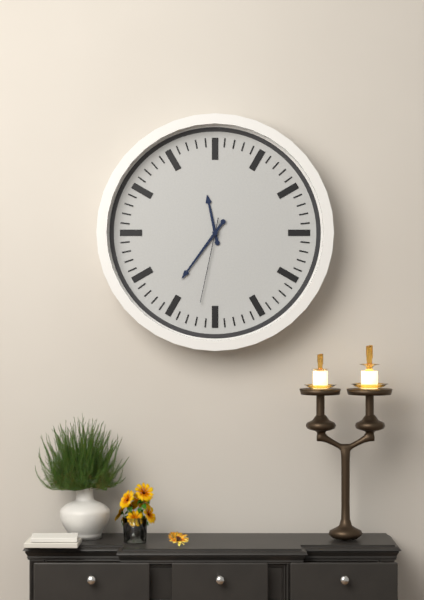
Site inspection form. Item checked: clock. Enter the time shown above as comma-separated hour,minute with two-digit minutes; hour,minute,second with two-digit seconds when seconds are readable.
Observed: 11,36,32
